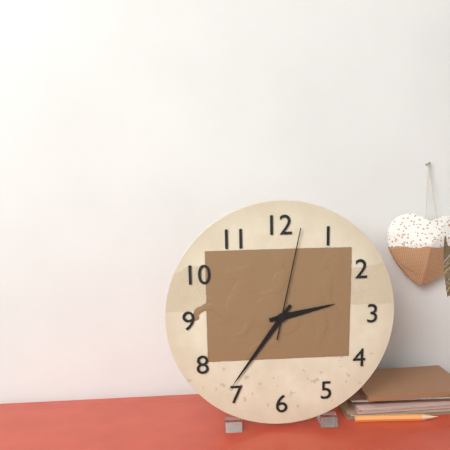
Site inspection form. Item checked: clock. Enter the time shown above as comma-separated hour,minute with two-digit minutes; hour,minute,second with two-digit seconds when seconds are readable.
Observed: 2,36,02
